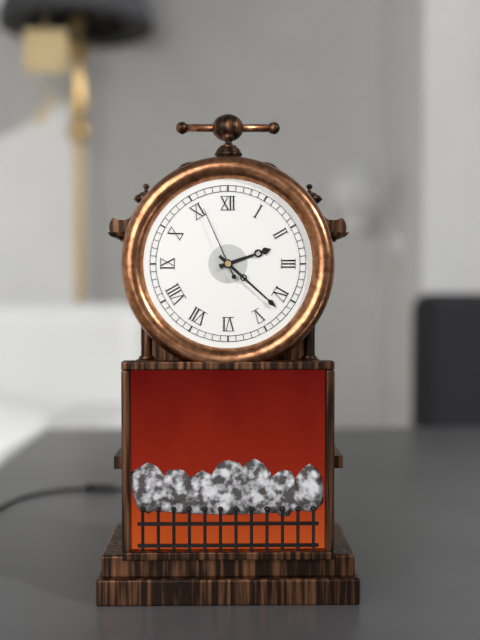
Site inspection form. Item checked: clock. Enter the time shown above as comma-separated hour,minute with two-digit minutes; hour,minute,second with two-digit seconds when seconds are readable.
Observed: 2,22,56
